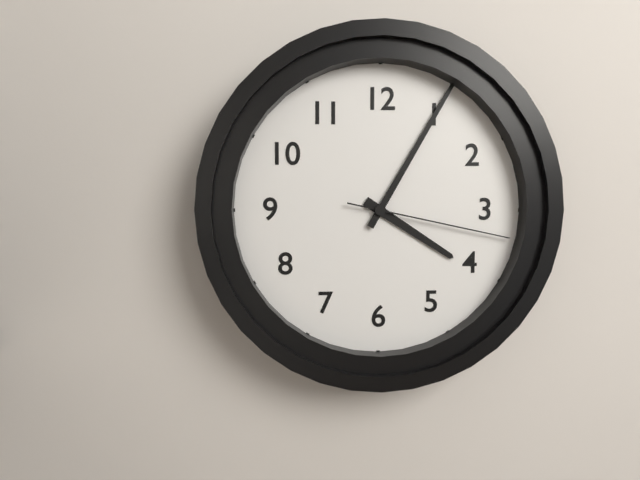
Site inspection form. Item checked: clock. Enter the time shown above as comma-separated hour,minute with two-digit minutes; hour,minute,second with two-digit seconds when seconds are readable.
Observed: 4,05,17
